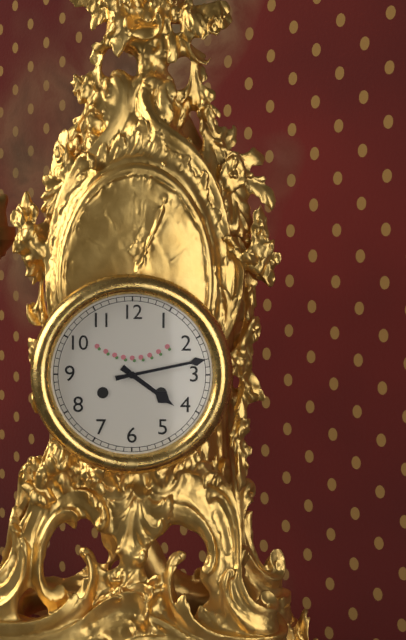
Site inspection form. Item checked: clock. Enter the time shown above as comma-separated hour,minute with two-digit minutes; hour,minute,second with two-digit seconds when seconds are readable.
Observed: 4,13
